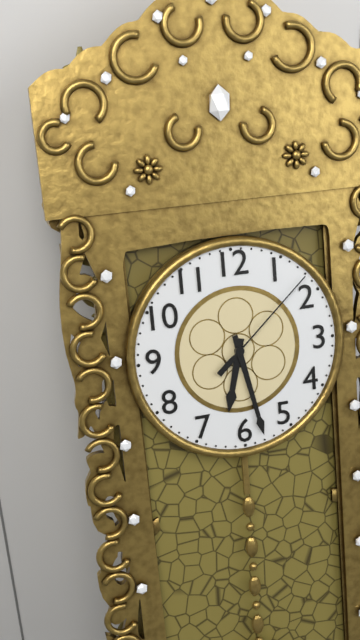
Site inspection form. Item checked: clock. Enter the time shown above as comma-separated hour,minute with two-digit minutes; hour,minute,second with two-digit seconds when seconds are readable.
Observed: 6,28,08
